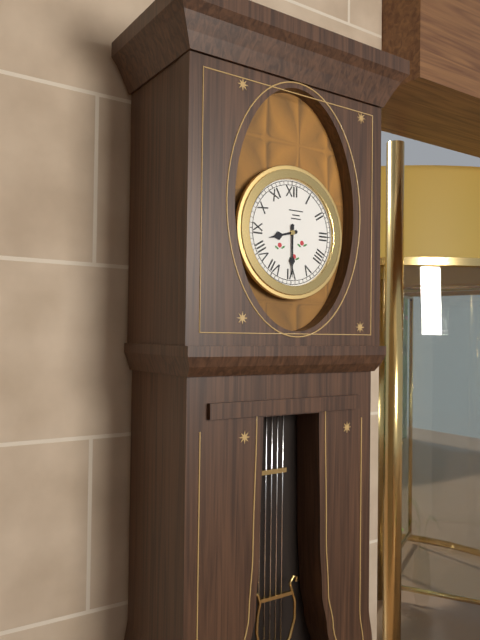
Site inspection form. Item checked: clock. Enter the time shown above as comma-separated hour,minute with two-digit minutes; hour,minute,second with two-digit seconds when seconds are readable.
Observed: 8,30
